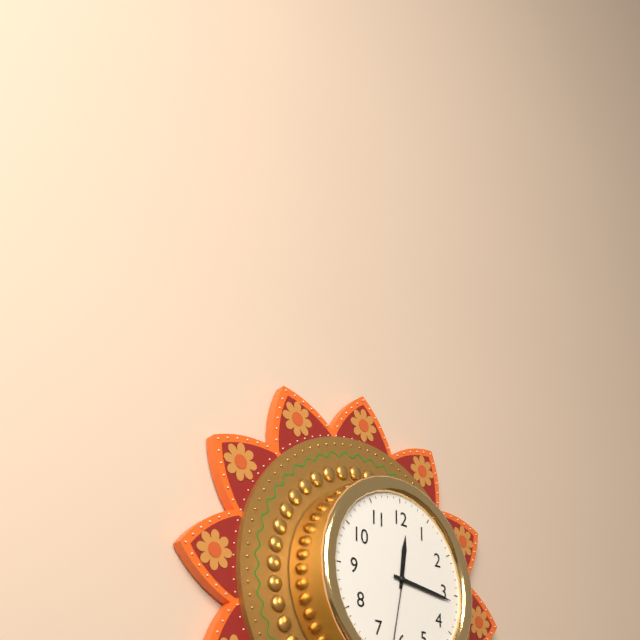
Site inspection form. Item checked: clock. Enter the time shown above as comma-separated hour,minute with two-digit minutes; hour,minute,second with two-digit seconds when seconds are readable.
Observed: 12,16
